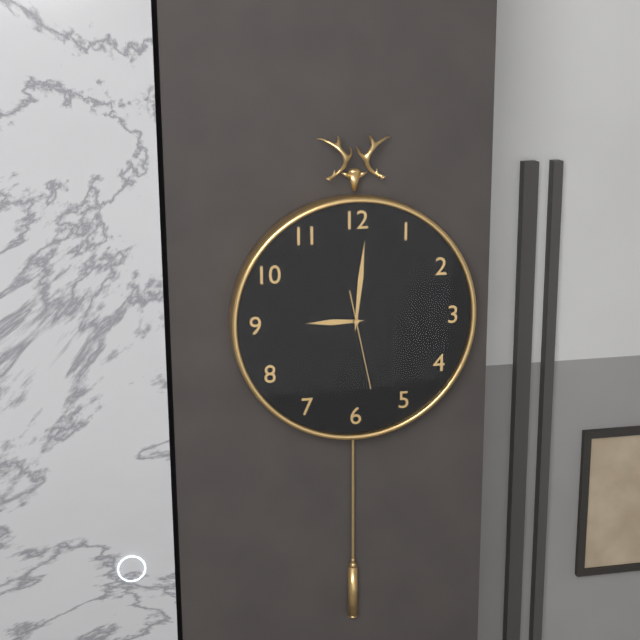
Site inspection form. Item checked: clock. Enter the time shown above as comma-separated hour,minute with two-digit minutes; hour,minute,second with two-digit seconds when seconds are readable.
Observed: 9,01,28
